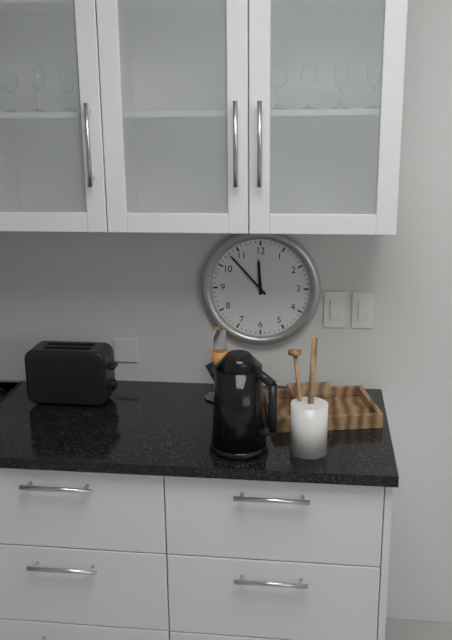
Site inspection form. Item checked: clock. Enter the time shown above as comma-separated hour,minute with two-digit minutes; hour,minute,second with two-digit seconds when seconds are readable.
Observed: 11,53
